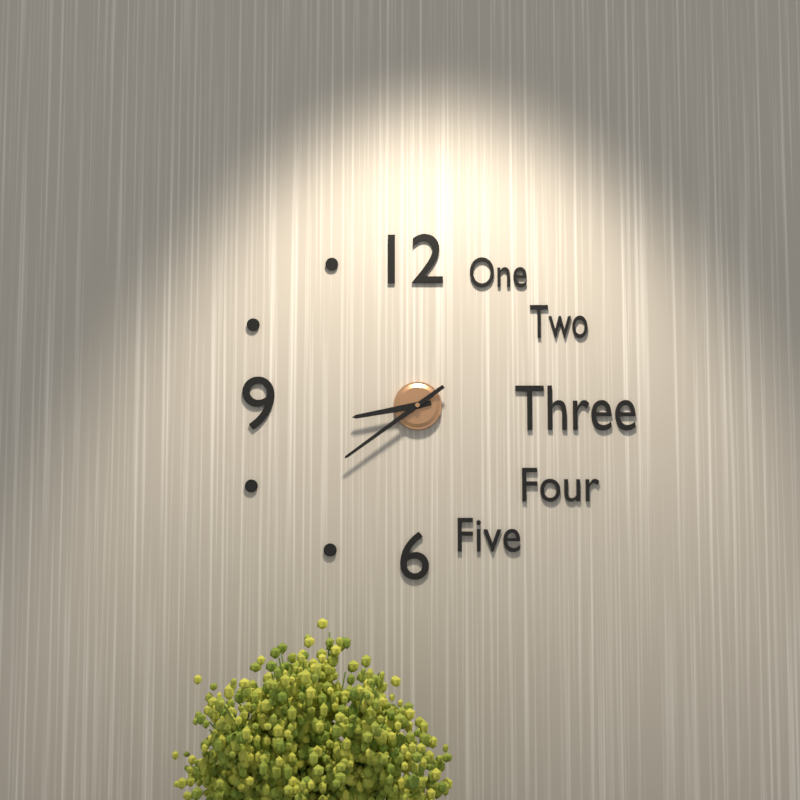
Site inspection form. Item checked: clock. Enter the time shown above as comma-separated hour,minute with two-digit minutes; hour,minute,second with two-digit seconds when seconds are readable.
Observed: 8,39
